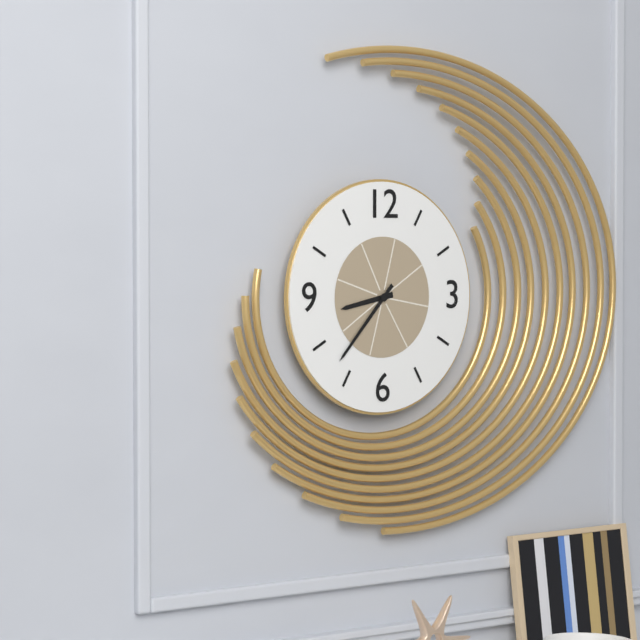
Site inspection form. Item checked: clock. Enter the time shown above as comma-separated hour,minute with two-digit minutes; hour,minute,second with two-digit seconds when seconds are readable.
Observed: 8,37
